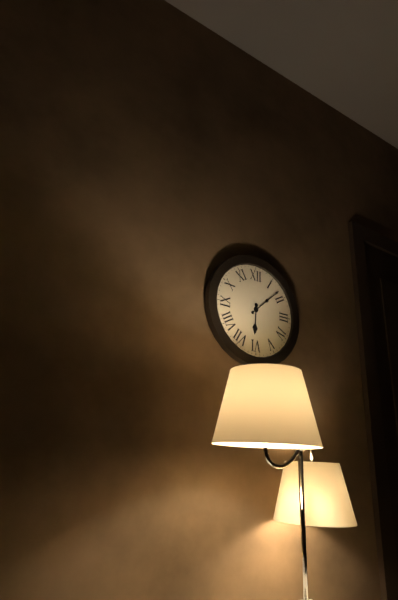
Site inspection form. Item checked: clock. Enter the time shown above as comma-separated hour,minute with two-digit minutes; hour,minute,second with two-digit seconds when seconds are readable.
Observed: 6,08
